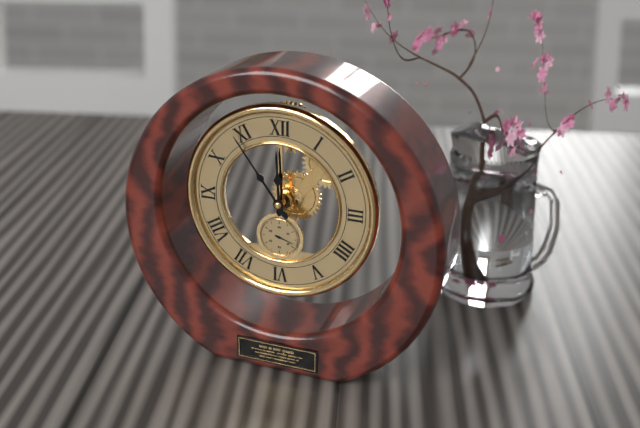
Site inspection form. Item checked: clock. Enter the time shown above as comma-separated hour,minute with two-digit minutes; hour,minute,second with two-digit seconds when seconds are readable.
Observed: 11,54
